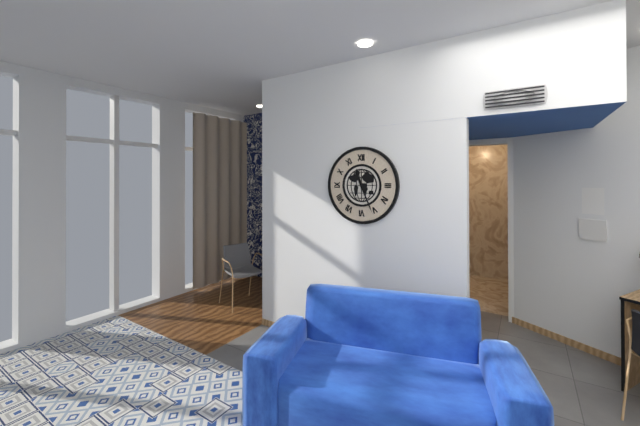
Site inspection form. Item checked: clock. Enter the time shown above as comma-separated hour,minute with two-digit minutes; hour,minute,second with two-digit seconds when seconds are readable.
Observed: 11,26
